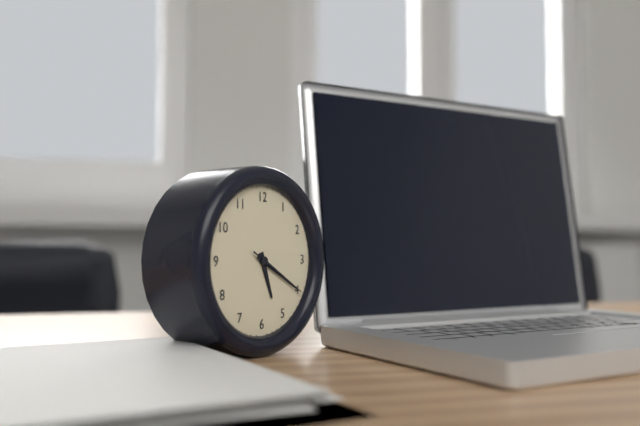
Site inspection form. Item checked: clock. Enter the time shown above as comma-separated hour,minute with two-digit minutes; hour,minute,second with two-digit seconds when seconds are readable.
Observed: 5,20,20
